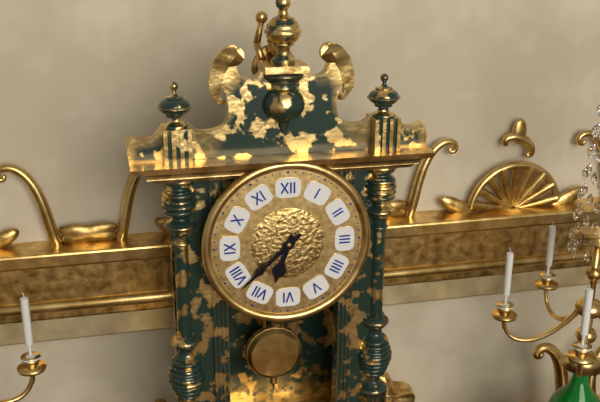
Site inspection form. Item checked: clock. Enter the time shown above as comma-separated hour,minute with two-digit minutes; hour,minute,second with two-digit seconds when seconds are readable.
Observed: 6,38
